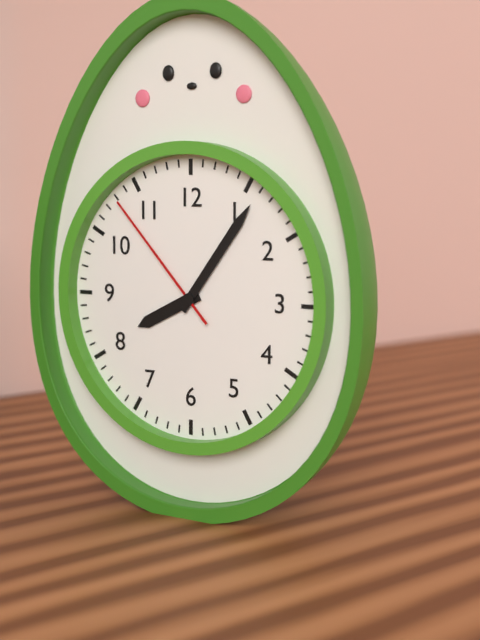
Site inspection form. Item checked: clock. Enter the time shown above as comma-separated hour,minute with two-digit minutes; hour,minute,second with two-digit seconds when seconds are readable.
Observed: 8,06,53
